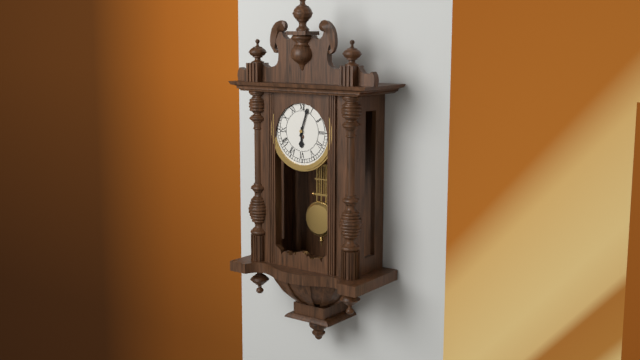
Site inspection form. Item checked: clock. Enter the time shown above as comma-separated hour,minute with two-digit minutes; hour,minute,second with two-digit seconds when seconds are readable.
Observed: 6,03
